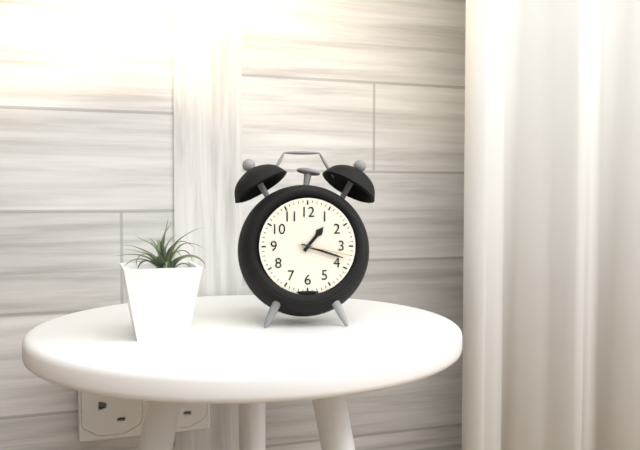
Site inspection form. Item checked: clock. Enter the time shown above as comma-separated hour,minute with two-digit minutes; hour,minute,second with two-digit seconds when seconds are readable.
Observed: 1,18,17
